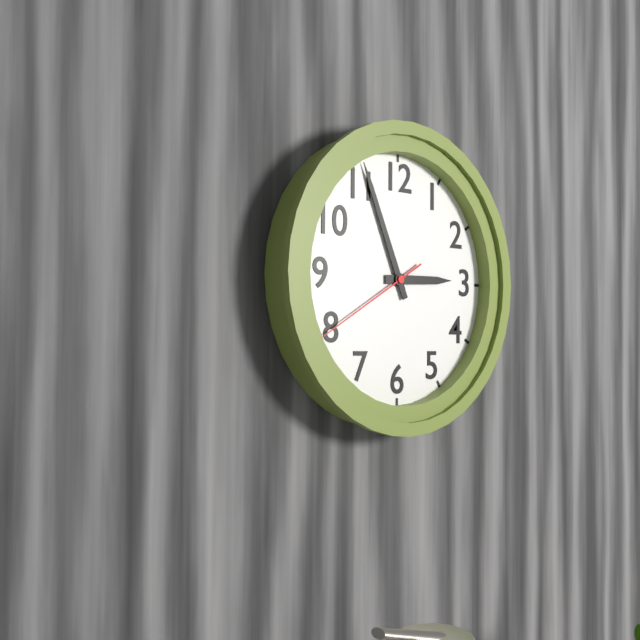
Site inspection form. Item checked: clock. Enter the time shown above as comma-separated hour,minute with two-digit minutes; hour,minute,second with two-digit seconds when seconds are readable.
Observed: 2,56,40
